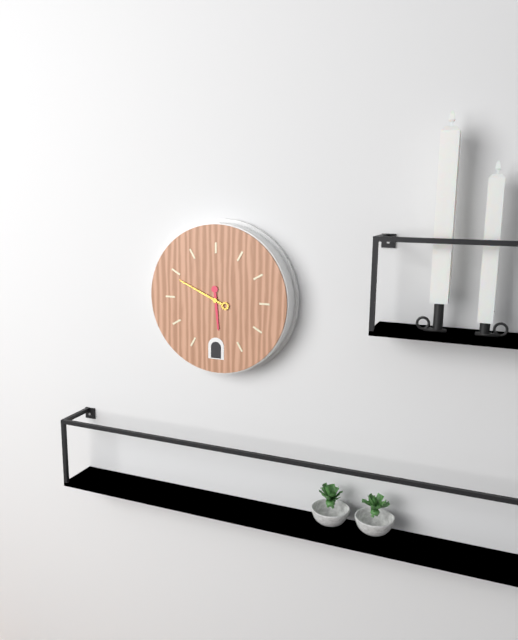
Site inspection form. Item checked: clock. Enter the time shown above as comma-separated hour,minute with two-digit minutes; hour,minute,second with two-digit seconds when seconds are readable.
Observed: 5,49
